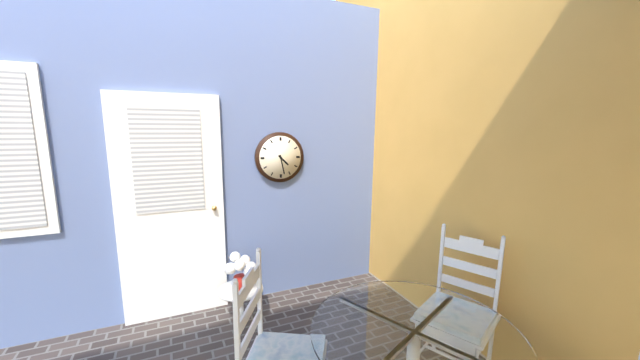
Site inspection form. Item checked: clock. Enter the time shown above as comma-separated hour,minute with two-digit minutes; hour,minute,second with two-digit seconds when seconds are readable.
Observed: 4,28
